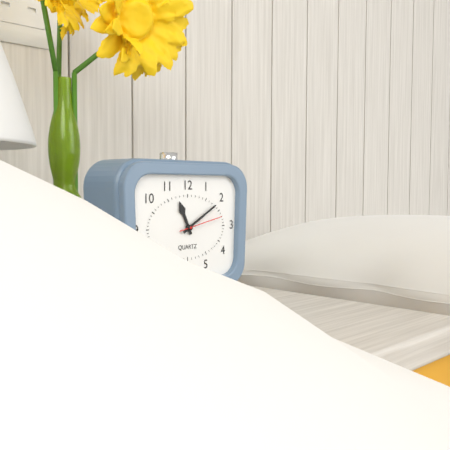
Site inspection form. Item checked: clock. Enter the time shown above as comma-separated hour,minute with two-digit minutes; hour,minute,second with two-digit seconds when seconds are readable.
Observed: 11,10
